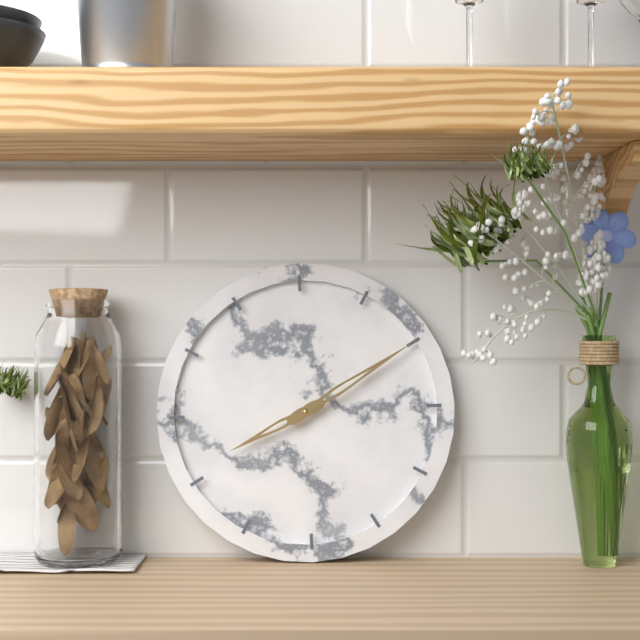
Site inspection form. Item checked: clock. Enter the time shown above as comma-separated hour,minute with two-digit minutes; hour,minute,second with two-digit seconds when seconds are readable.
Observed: 8,10
